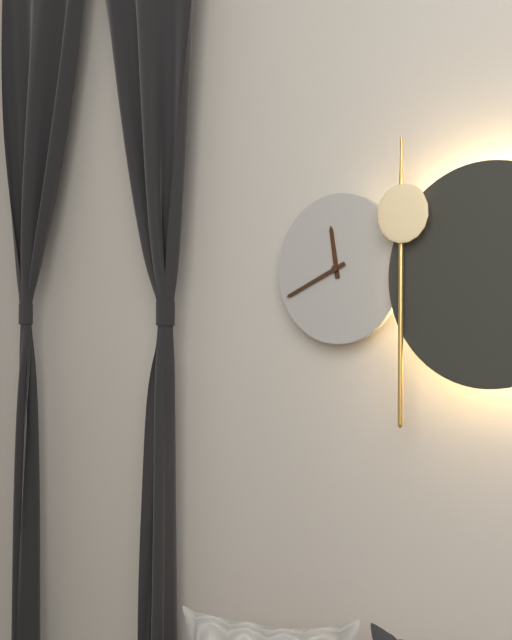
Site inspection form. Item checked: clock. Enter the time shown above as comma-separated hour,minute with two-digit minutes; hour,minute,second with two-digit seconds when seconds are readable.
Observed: 11,41
